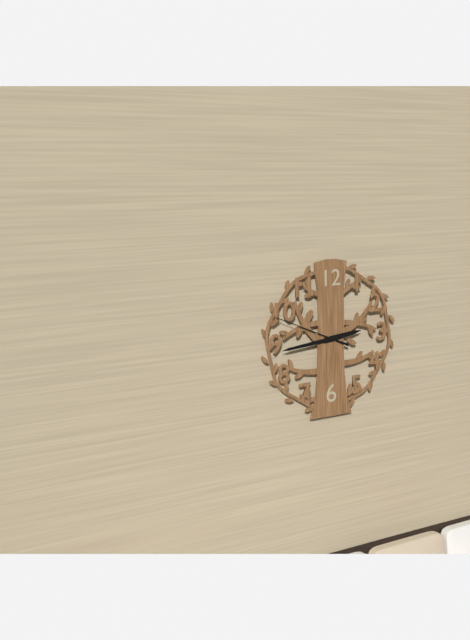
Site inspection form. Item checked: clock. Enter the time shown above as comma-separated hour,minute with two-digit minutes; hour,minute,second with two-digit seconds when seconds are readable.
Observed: 2,44,49
